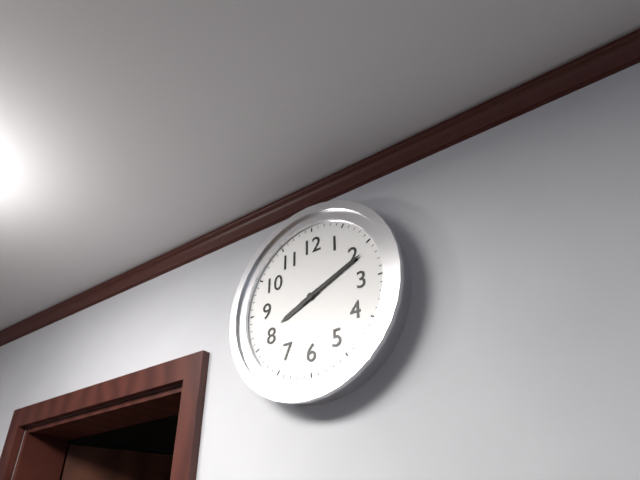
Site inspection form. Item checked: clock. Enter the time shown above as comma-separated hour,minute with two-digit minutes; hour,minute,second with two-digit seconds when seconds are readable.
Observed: 8,11
